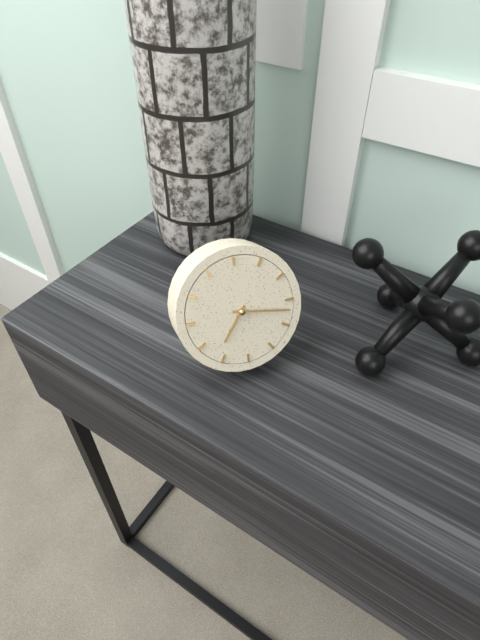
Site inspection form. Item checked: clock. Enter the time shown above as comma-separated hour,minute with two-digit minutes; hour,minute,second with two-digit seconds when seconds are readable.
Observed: 7,17
